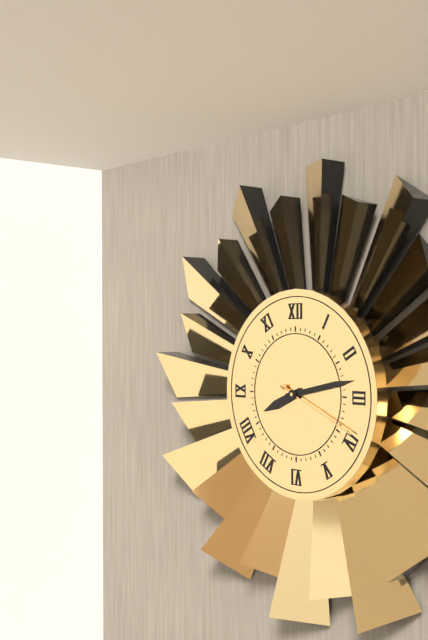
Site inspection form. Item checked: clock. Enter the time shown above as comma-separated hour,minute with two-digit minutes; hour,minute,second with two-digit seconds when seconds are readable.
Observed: 8,13,19
